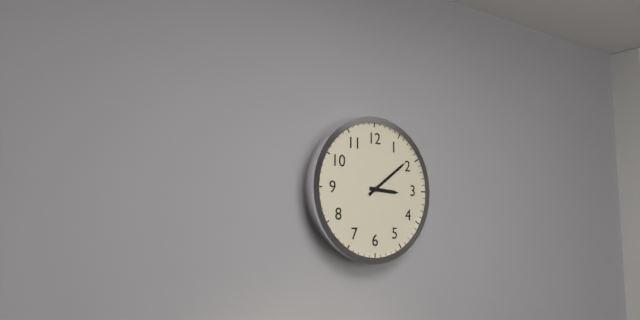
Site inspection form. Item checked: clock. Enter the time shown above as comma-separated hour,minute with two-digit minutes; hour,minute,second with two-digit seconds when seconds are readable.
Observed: 3,09
